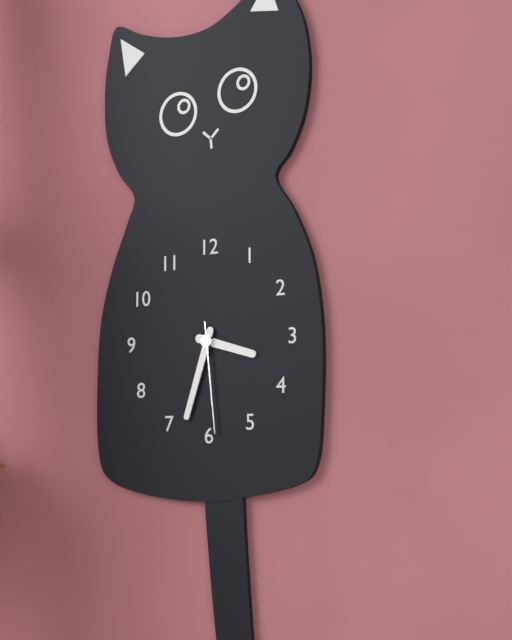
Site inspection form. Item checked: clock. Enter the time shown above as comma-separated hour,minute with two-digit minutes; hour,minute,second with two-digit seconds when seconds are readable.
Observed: 3,33,29
